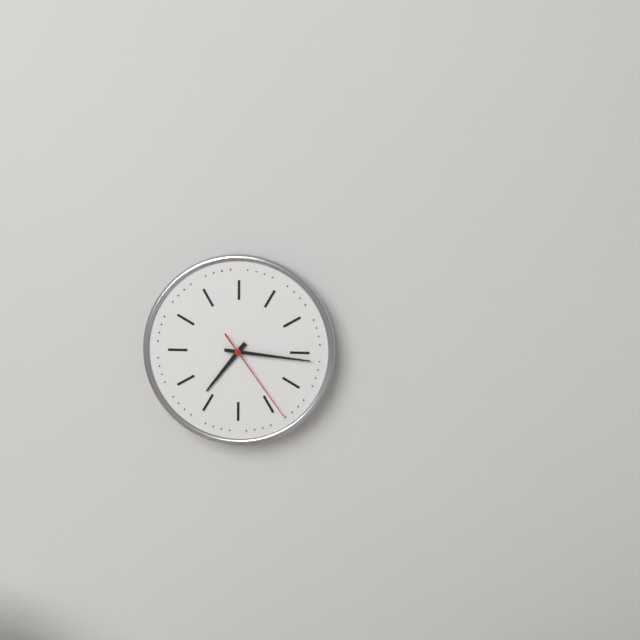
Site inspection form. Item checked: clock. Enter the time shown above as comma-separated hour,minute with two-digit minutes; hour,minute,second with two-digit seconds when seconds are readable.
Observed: 7,16,24
